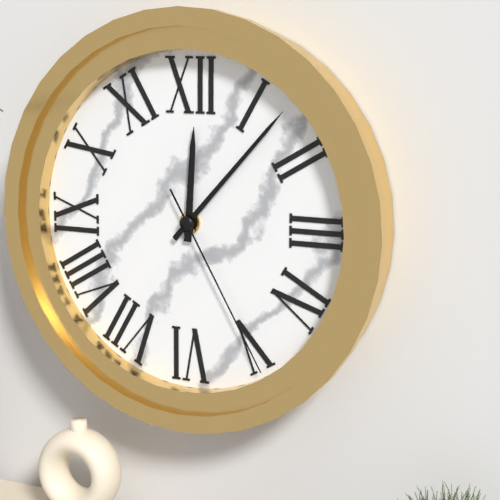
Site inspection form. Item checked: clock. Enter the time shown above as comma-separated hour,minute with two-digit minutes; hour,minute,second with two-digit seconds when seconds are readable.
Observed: 12,07,25
